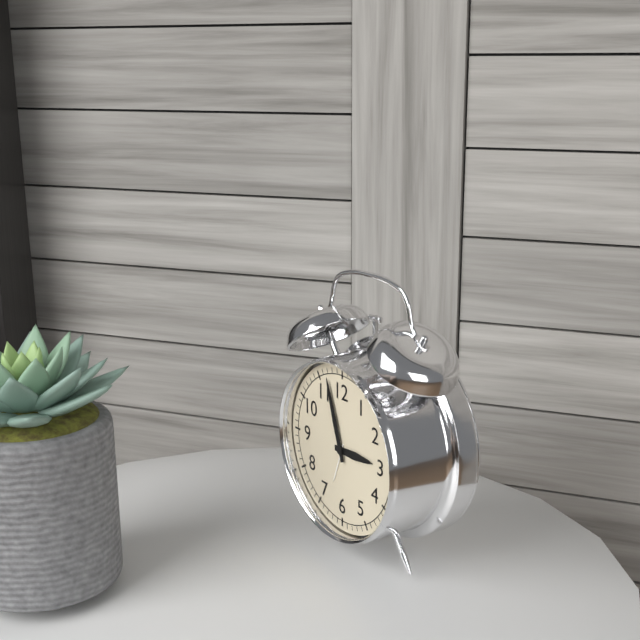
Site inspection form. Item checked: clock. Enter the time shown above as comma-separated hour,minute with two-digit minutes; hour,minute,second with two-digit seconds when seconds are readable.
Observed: 2,57
